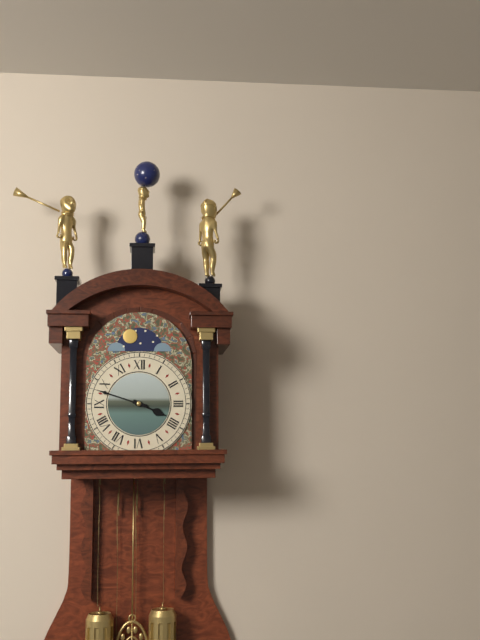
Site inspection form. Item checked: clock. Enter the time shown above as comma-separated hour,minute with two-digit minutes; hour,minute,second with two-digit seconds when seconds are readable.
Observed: 3,48
